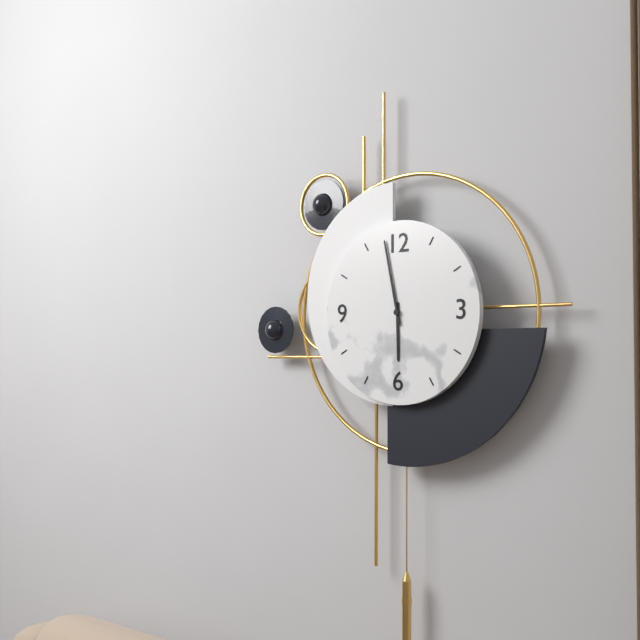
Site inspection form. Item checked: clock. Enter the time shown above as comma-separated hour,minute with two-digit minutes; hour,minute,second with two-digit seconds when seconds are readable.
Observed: 5,58
